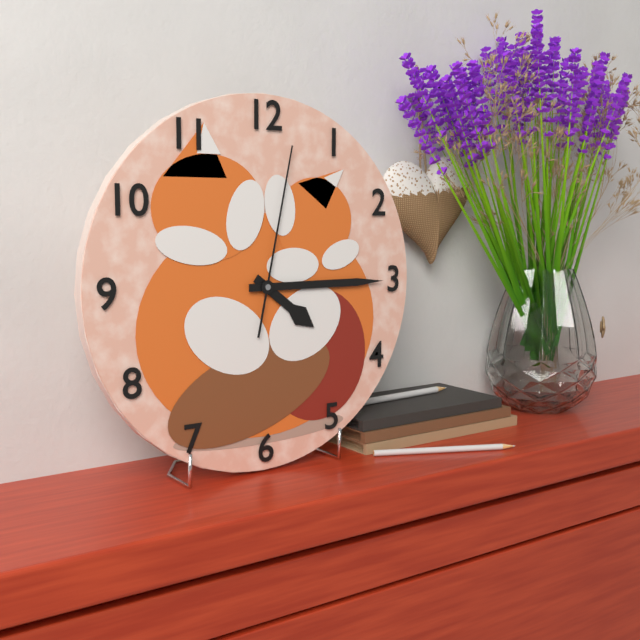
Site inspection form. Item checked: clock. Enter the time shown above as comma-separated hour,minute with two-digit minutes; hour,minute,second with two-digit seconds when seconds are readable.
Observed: 4,15,02
